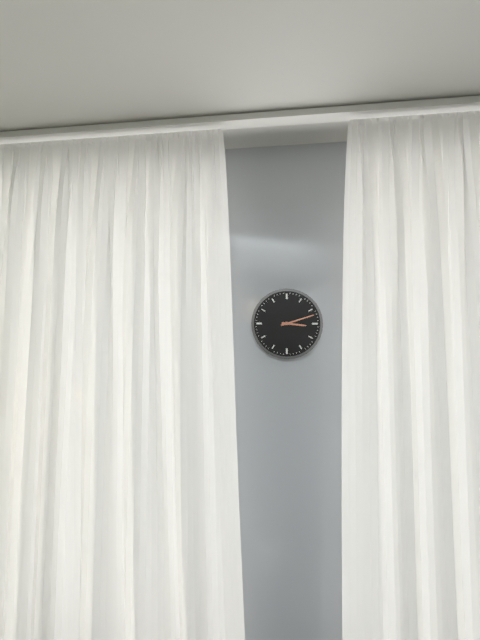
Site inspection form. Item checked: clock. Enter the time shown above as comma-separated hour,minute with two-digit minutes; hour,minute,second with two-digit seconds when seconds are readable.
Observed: 3,12
